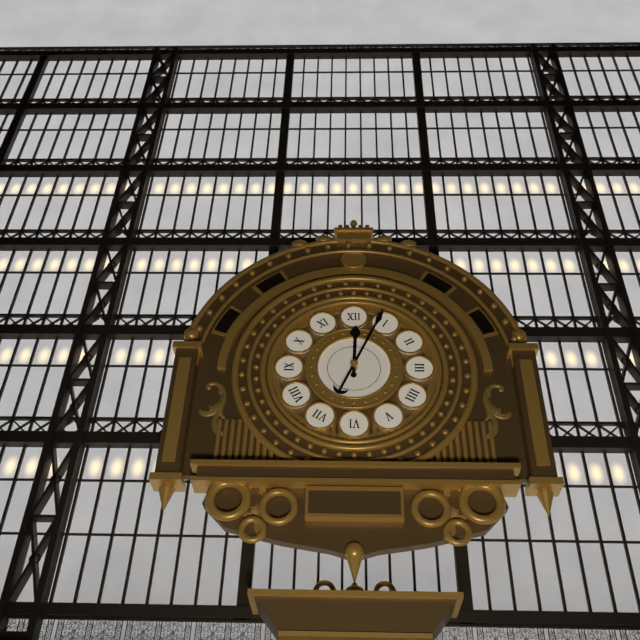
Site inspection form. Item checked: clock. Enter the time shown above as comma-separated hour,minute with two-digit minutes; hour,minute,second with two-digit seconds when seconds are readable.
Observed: 12,04
